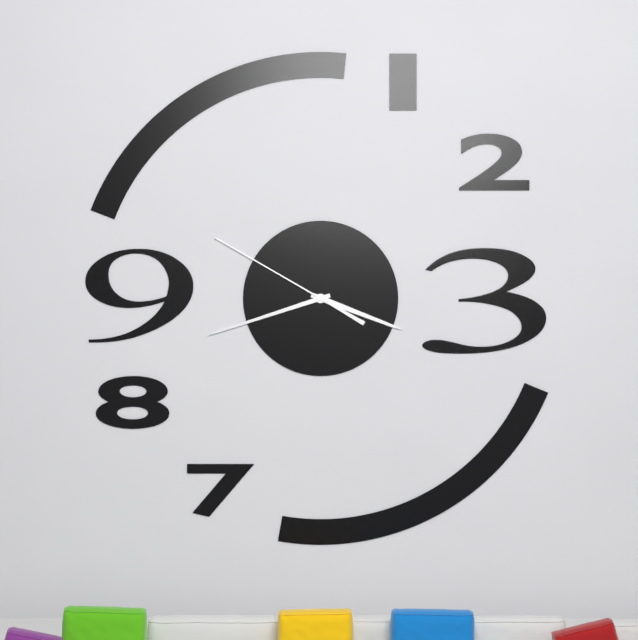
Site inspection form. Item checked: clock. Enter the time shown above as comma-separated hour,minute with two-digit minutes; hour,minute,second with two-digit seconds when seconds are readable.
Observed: 3,42,50
